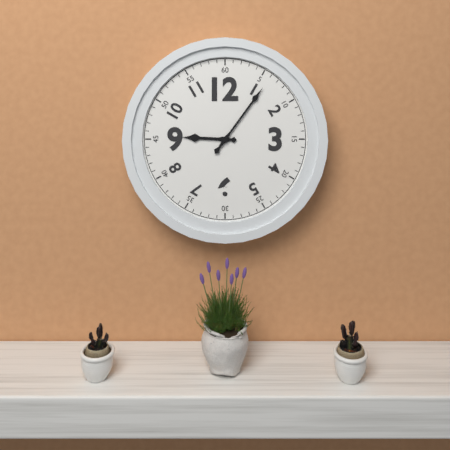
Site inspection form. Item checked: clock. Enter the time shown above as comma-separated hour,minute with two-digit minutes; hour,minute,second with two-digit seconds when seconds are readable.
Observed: 9,06
